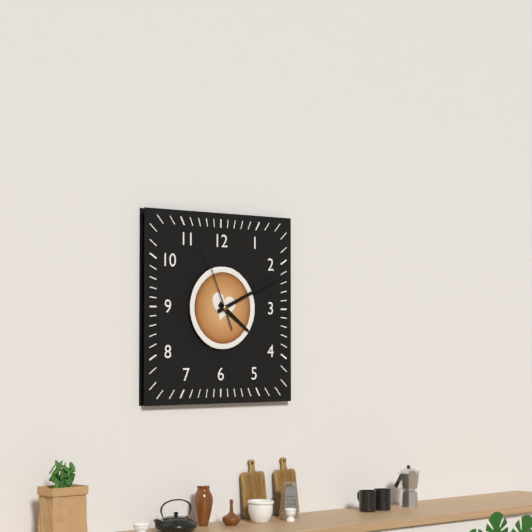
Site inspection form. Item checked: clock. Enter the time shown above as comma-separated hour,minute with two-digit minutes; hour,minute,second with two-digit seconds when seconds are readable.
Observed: 4,11,56
